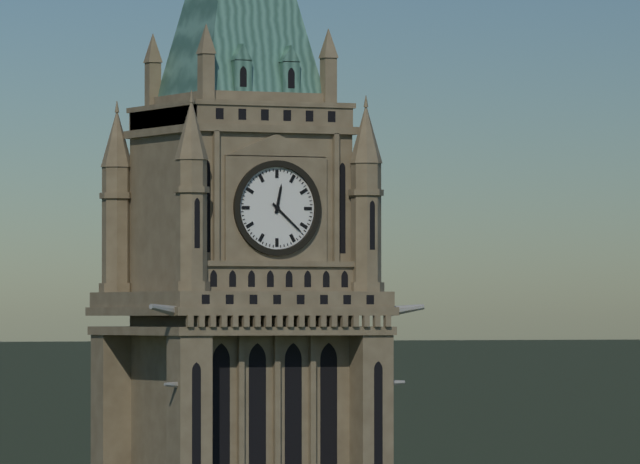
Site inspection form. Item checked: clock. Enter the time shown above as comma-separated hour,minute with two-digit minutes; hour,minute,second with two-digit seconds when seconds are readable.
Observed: 12,22
